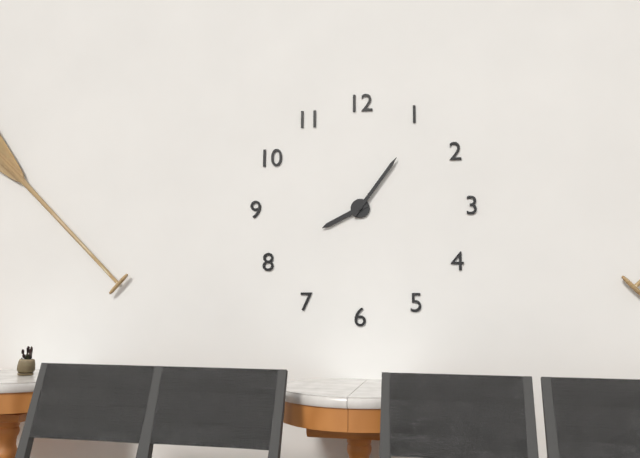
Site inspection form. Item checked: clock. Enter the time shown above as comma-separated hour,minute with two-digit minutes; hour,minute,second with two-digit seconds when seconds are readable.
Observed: 8,06
